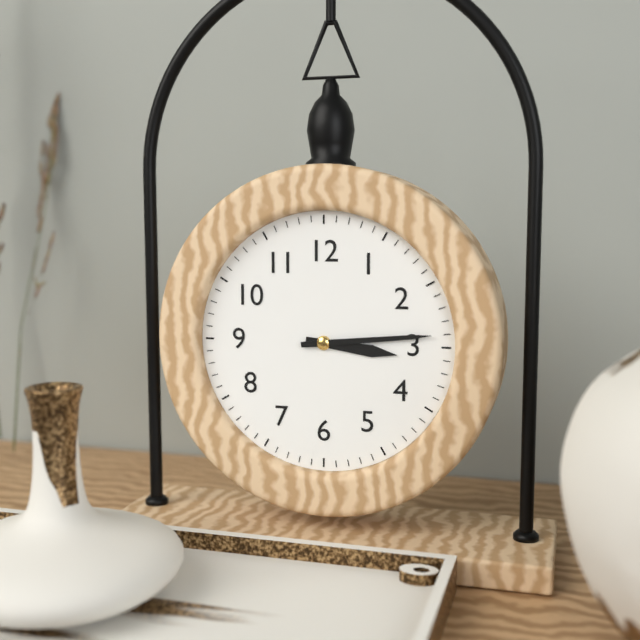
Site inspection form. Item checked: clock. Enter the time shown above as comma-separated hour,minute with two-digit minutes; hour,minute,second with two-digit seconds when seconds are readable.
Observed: 3,14
